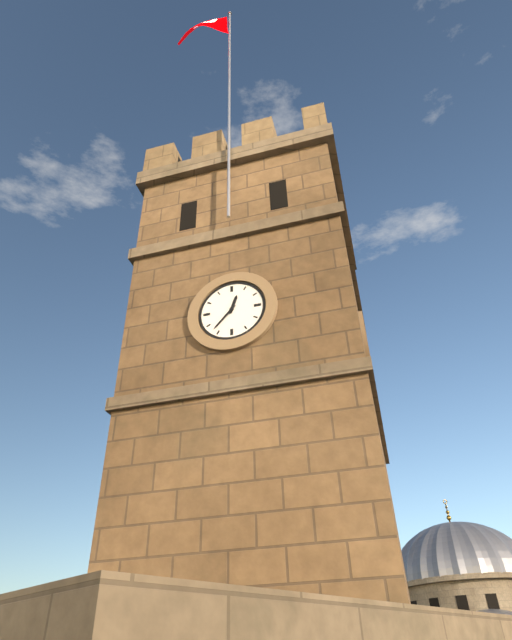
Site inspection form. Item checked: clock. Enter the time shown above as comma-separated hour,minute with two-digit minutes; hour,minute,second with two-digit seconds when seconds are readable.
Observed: 12,37
